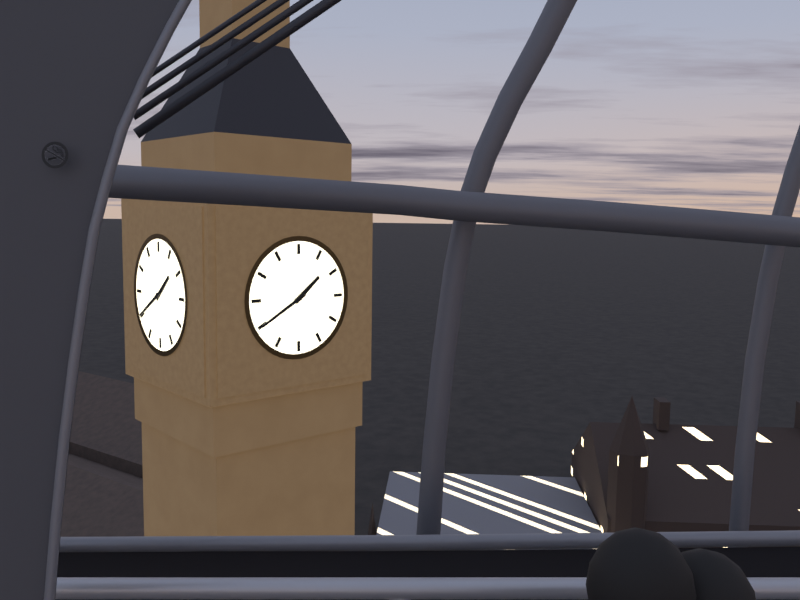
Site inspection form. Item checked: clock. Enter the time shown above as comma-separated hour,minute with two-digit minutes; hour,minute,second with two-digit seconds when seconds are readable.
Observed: 1,40
